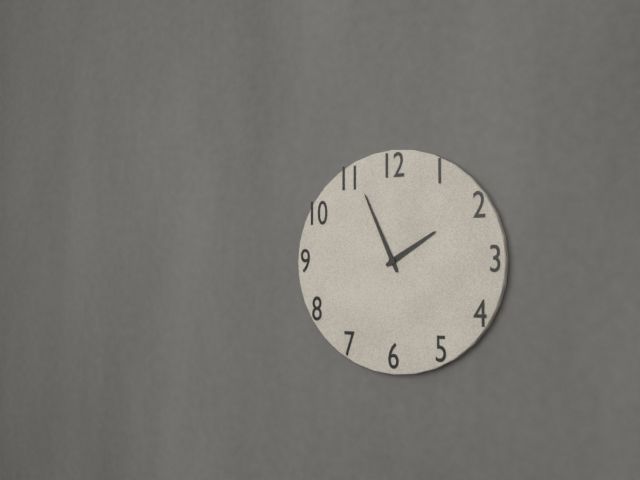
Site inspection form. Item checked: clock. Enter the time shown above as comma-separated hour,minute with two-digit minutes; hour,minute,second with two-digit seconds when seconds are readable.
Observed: 1,56
